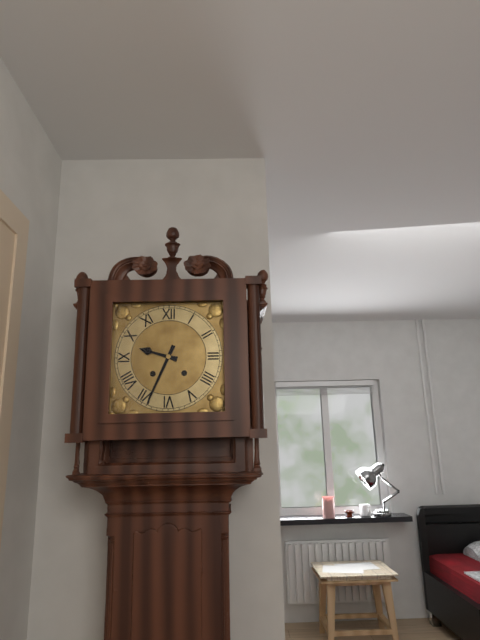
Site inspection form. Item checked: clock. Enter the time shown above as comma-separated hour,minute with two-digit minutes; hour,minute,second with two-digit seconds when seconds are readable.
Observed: 9,34
